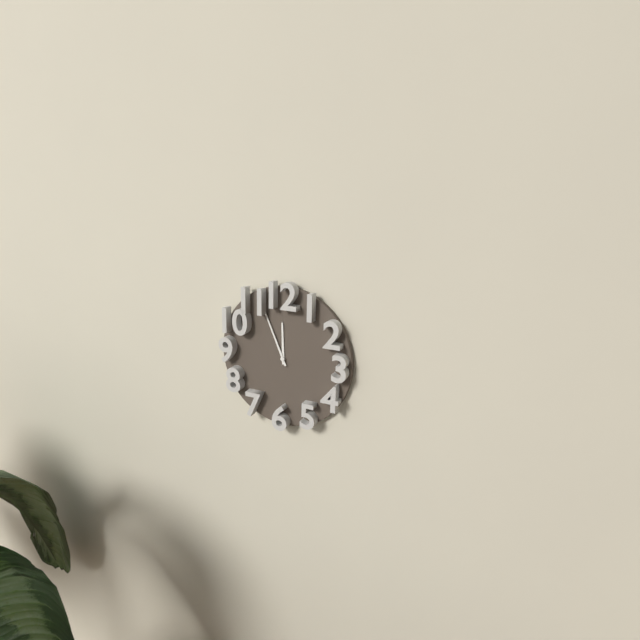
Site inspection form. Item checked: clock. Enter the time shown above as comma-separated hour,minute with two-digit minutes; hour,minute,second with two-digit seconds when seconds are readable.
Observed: 11,56
